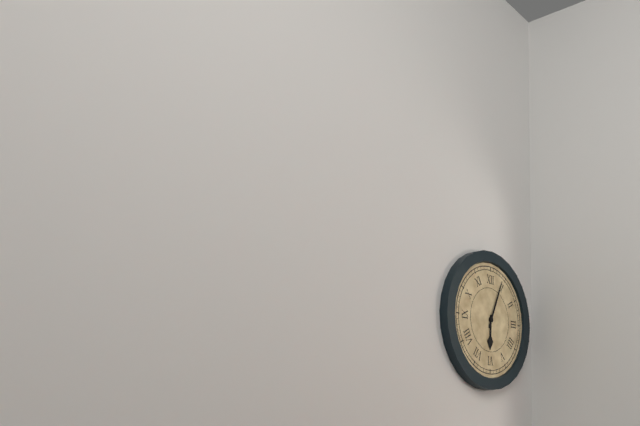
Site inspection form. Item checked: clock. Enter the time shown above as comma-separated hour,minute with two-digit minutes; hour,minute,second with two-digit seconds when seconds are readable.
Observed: 6,04
